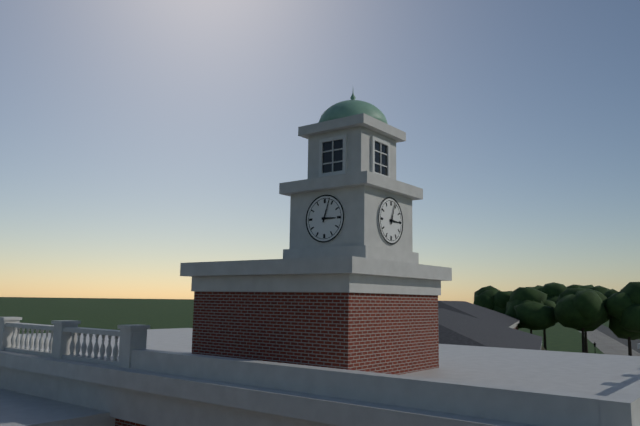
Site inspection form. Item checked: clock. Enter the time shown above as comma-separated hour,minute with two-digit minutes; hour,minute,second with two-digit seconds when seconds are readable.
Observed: 3,03
